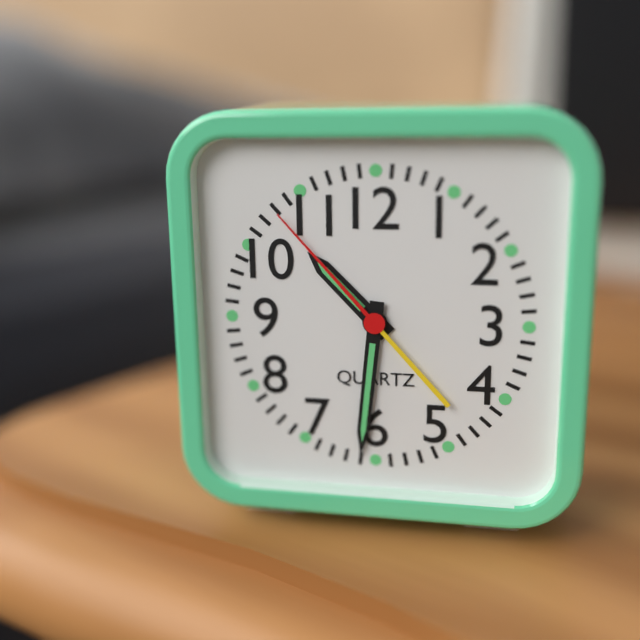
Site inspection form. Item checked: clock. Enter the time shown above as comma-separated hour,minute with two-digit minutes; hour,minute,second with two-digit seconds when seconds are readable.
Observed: 10,31,53
